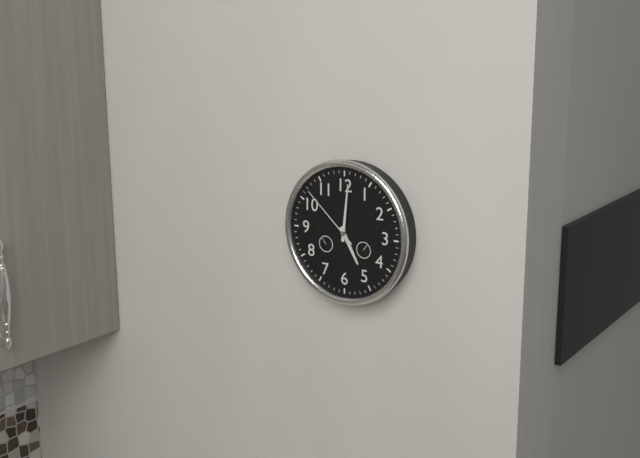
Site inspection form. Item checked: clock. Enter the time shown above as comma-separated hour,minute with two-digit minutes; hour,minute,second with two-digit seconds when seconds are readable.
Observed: 5,01,52
